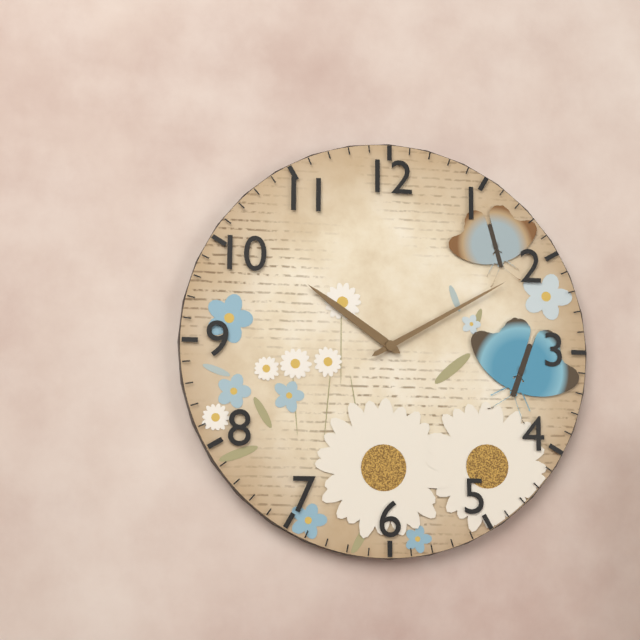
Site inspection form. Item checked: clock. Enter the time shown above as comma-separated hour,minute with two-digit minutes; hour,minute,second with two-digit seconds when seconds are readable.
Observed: 10,10
